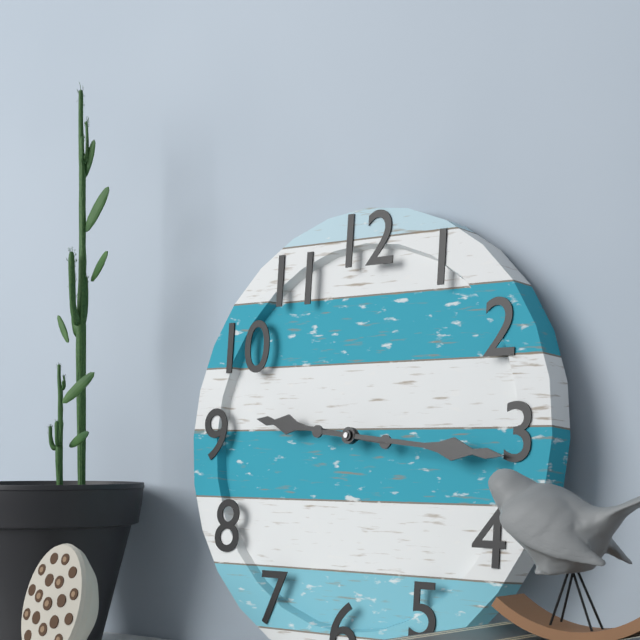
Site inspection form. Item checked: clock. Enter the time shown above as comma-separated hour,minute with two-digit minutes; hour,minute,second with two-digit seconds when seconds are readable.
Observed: 9,16
